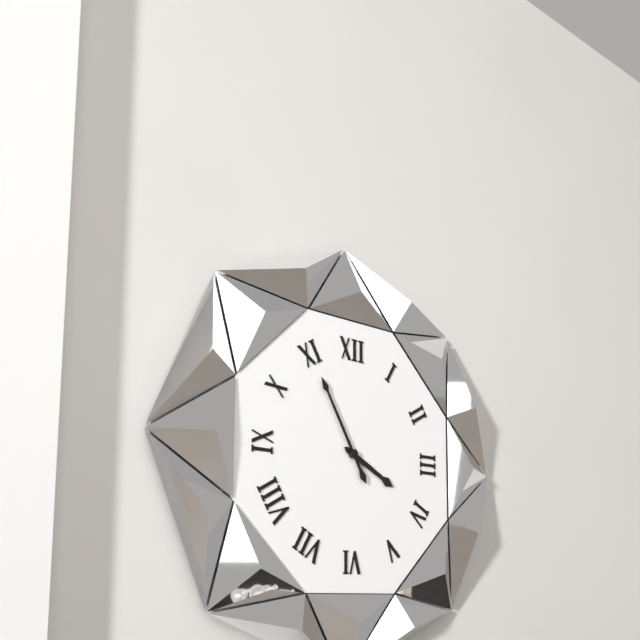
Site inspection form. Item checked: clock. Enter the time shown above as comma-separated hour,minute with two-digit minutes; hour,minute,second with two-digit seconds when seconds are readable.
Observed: 3,55
